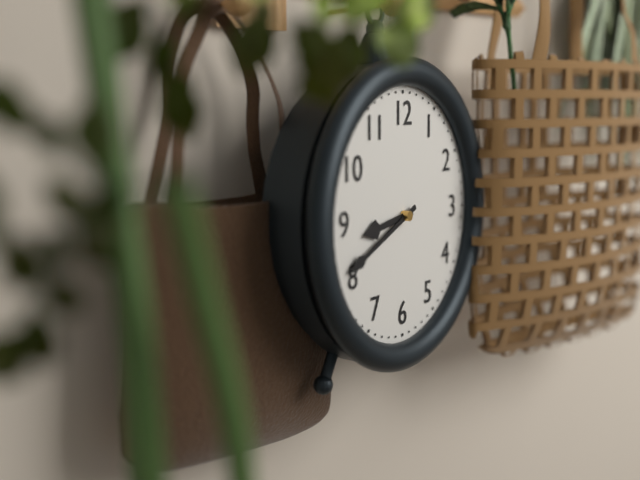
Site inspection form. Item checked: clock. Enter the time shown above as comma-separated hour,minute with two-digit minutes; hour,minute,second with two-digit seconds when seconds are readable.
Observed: 8,41
